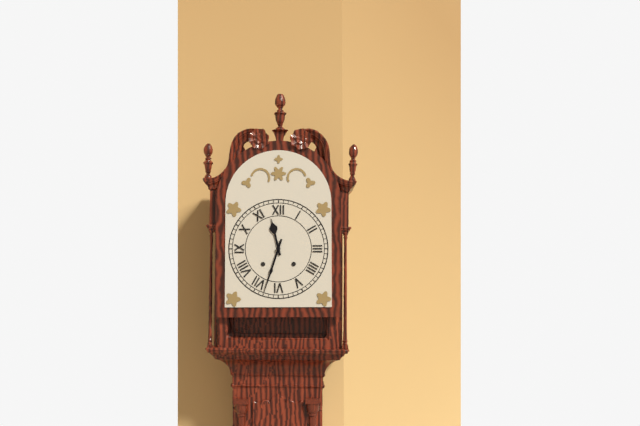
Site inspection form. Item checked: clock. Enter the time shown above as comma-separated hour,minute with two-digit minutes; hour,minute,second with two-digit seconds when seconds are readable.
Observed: 11,33
